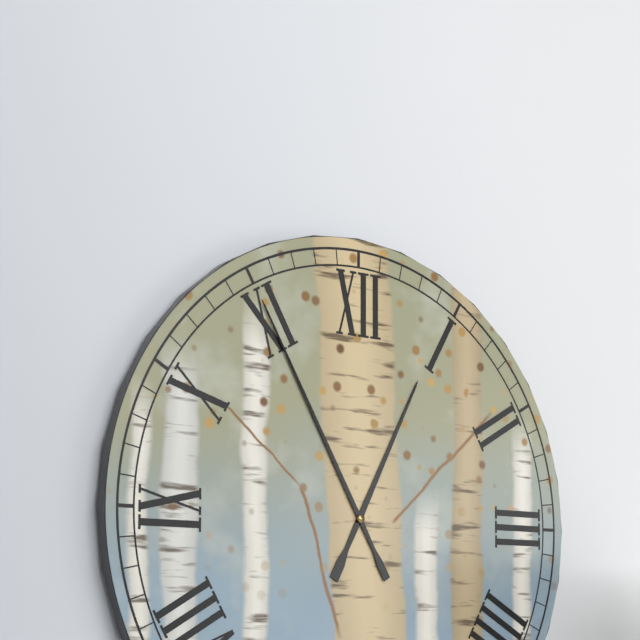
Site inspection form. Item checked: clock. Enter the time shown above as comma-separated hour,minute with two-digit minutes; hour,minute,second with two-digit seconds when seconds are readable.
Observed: 12,55
